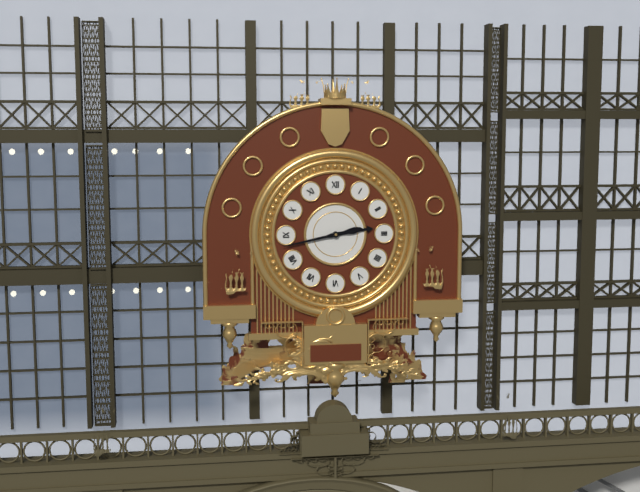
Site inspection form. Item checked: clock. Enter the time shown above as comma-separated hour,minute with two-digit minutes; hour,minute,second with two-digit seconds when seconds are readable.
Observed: 2,43
